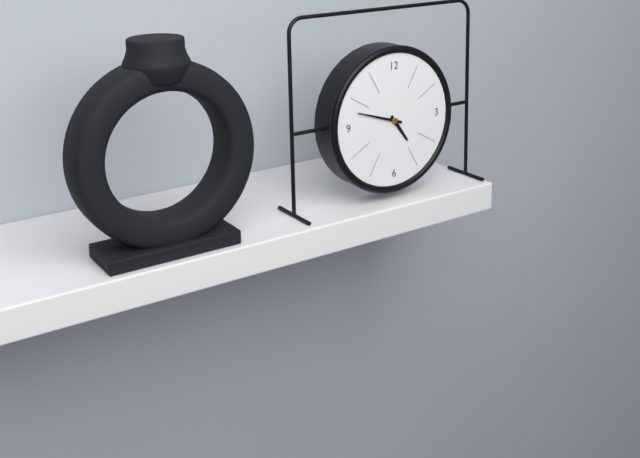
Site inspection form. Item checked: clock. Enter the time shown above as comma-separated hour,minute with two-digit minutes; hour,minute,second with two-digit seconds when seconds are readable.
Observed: 4,48
